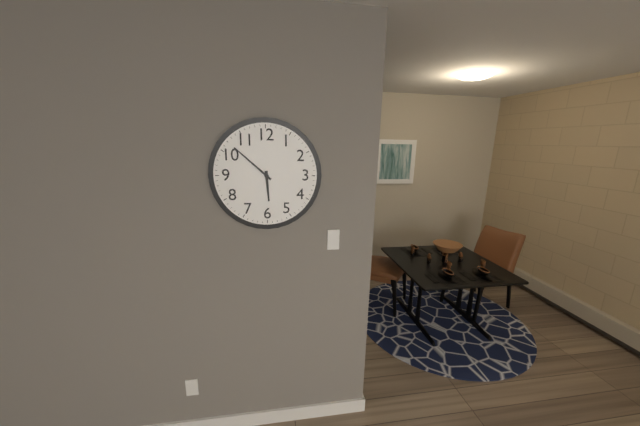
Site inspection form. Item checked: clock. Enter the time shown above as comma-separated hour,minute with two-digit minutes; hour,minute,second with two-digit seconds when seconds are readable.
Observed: 5,52
